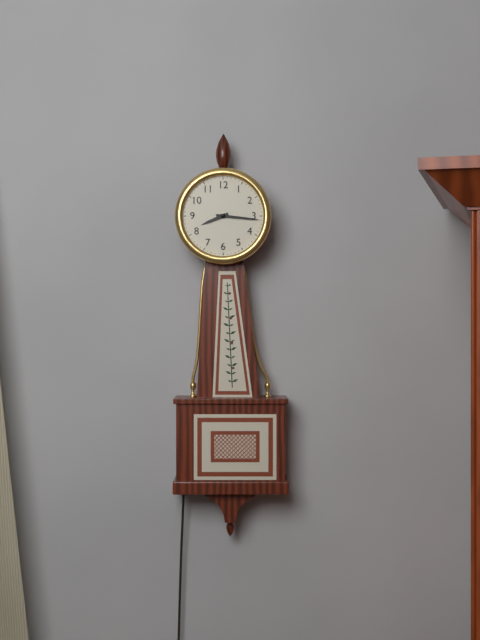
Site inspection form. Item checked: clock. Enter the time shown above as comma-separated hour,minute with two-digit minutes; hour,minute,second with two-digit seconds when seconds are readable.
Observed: 8,16
